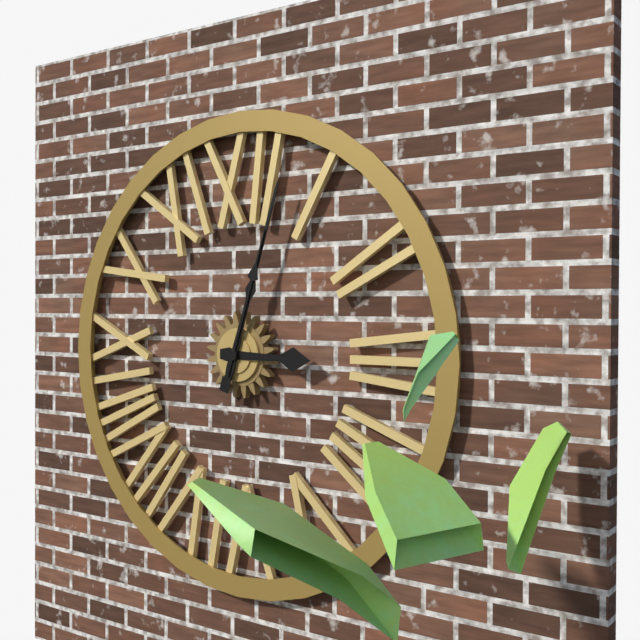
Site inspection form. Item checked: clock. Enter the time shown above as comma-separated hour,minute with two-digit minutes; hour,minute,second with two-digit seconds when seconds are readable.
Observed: 3,03,03
